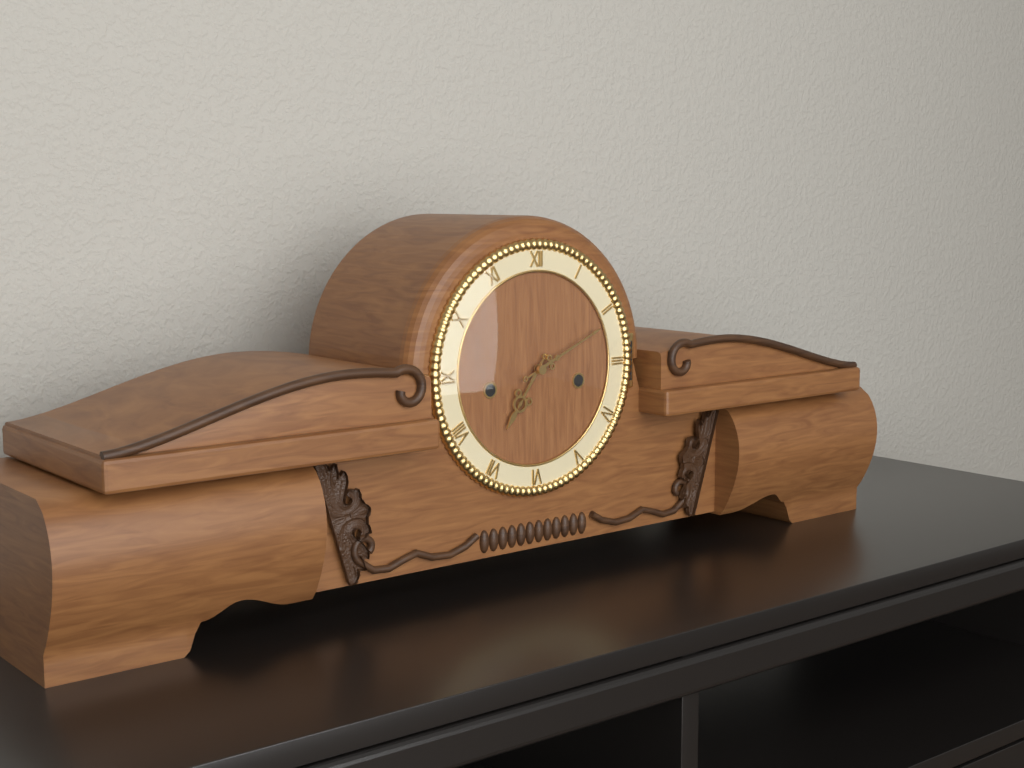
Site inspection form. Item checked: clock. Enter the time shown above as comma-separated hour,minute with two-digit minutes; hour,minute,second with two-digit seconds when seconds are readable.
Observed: 7,11
